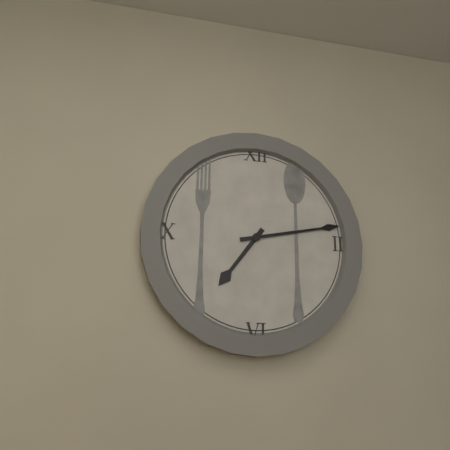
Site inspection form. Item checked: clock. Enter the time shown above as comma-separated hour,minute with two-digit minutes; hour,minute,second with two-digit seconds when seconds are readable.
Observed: 7,13
